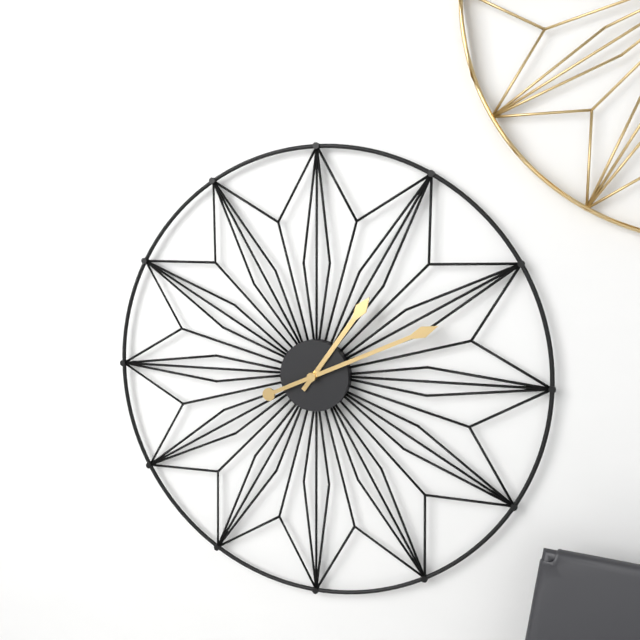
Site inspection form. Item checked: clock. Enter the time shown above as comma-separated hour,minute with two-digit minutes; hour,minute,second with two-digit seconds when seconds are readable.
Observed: 1,11
